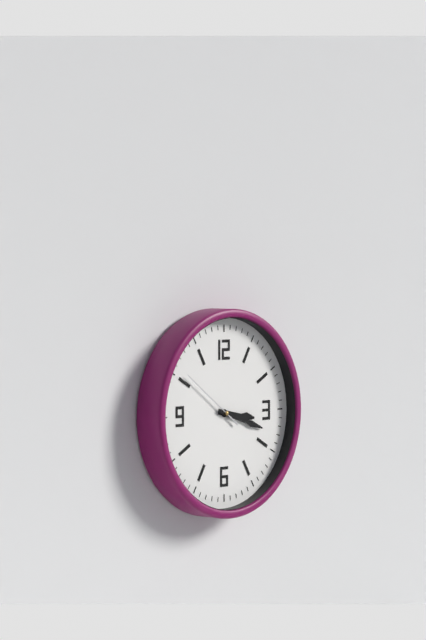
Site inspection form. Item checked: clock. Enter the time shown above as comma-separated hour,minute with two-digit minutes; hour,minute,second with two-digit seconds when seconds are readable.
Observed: 3,18,51
